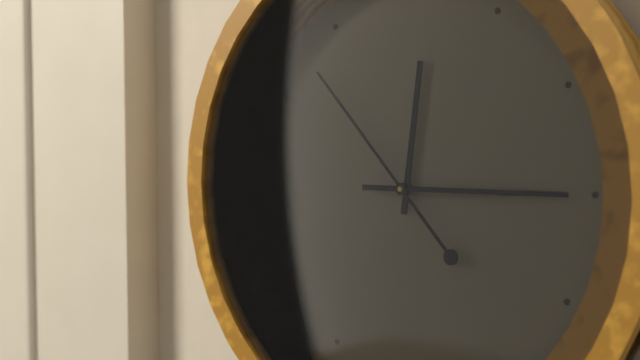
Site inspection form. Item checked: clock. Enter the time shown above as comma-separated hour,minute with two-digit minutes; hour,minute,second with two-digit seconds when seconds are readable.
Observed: 12,15,53
